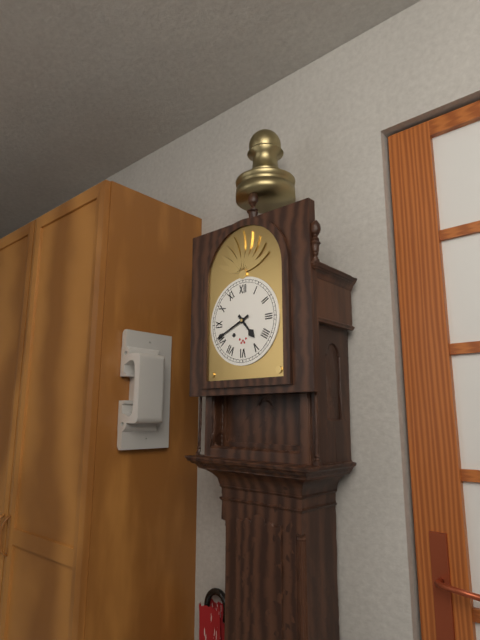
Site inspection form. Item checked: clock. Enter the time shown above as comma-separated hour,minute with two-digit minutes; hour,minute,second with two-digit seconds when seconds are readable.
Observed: 4,41
